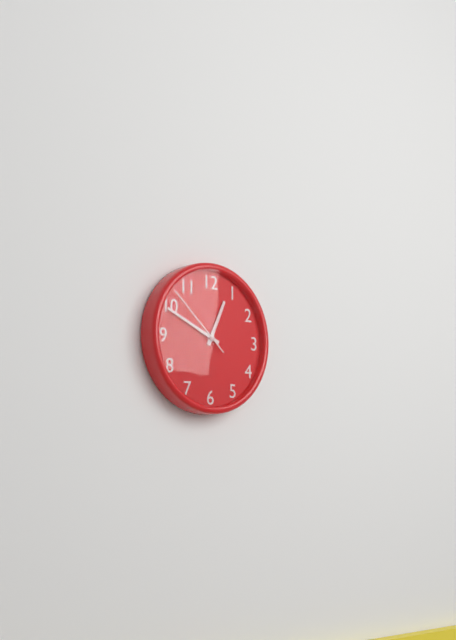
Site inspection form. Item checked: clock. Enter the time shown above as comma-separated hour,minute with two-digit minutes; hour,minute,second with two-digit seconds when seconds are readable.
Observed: 12,49,52
